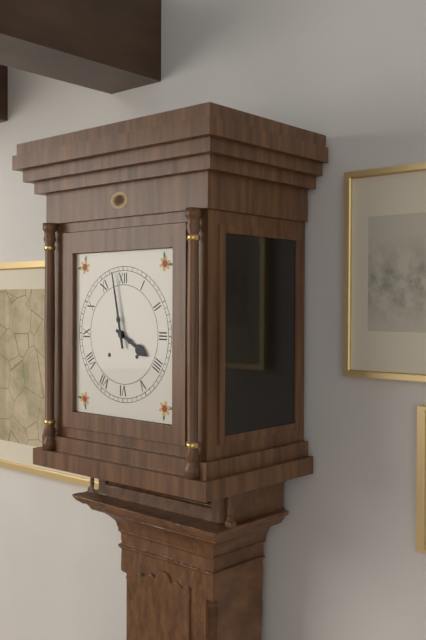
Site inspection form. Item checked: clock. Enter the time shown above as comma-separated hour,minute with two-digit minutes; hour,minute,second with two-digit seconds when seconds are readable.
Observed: 3,58
